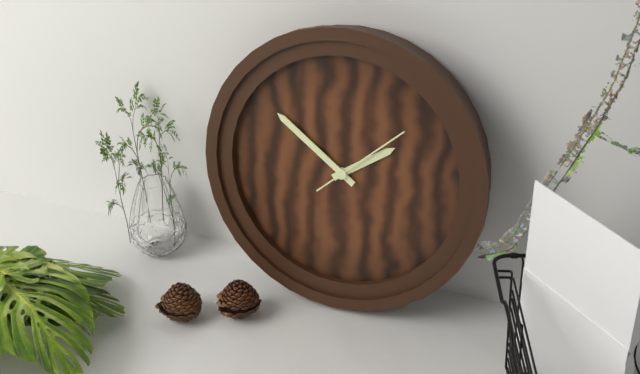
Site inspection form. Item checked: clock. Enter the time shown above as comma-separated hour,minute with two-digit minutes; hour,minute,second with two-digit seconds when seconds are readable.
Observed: 1,51,08
